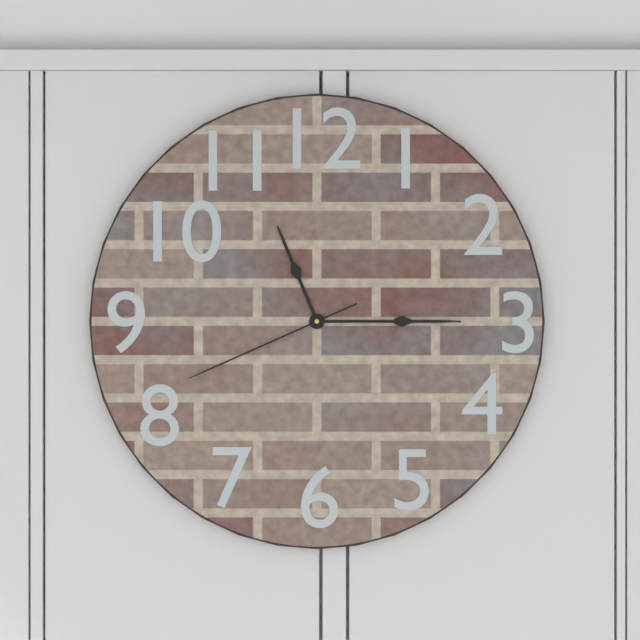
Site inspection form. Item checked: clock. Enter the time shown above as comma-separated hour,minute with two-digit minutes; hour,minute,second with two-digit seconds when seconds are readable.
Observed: 11,15,41
